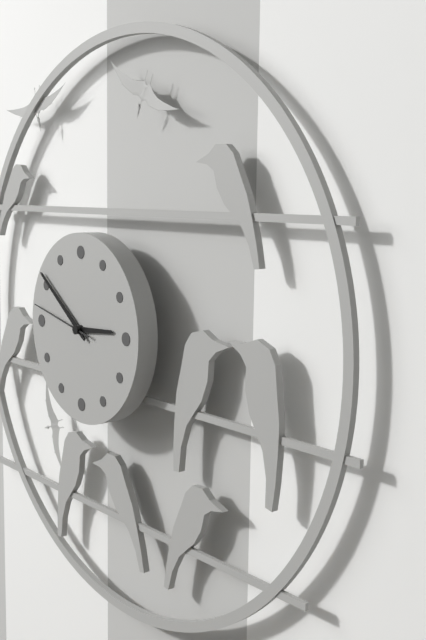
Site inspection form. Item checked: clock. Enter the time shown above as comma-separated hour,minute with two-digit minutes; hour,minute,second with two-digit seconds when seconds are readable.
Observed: 2,51,47
